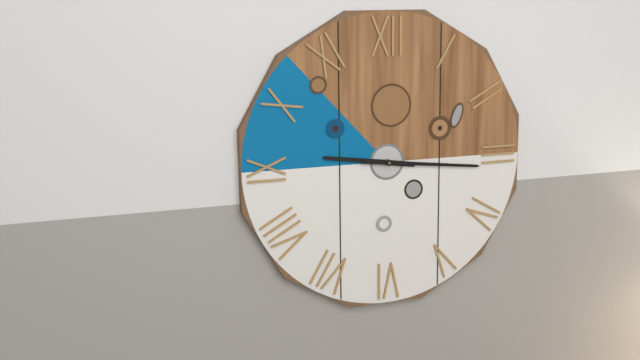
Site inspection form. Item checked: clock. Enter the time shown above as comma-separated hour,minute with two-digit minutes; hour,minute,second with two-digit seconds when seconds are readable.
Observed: 9,16
